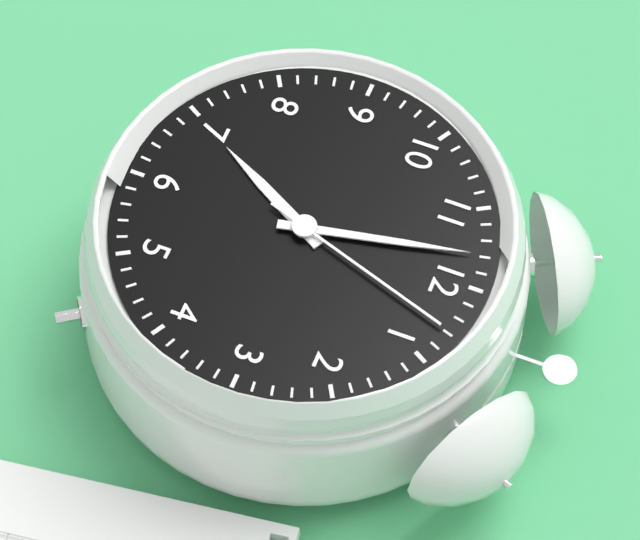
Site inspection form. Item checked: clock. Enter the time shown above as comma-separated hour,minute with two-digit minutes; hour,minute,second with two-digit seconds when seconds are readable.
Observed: 6,58,03
